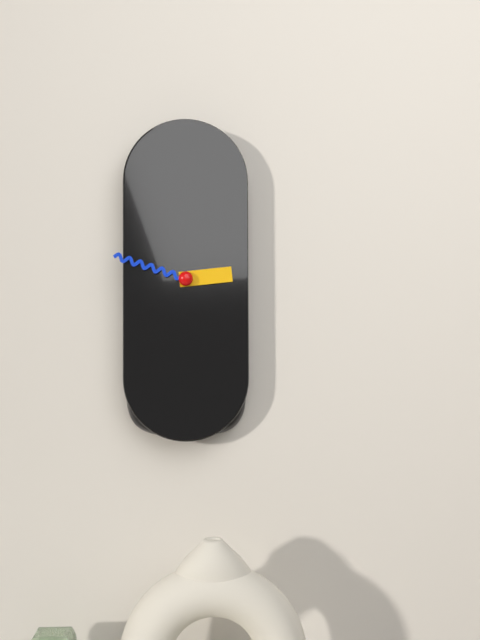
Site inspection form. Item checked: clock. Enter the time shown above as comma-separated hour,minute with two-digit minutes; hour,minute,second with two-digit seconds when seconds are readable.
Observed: 2,48
